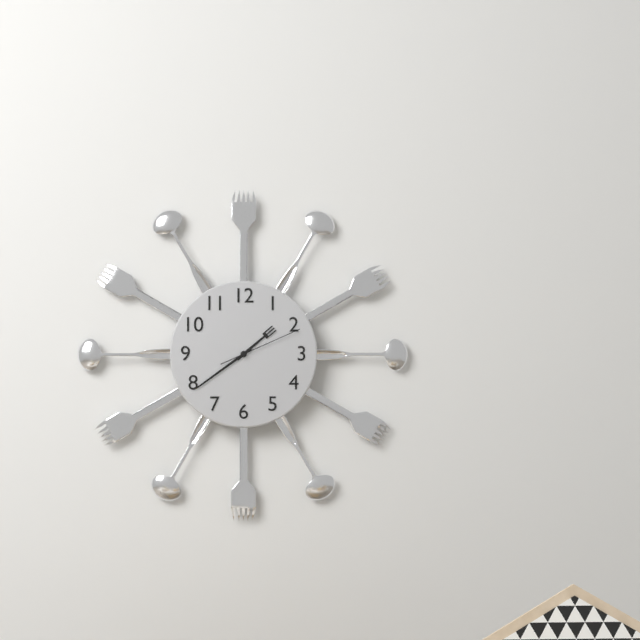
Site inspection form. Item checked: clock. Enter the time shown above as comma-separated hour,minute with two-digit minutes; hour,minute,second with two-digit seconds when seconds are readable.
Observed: 1,39,11
